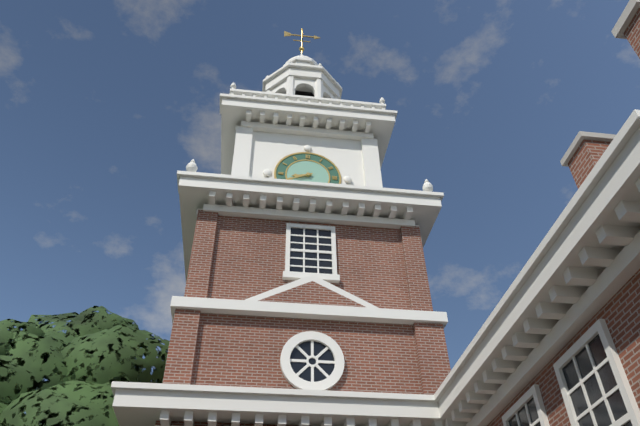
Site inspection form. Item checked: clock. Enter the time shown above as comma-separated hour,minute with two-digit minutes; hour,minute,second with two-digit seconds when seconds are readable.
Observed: 8,41
